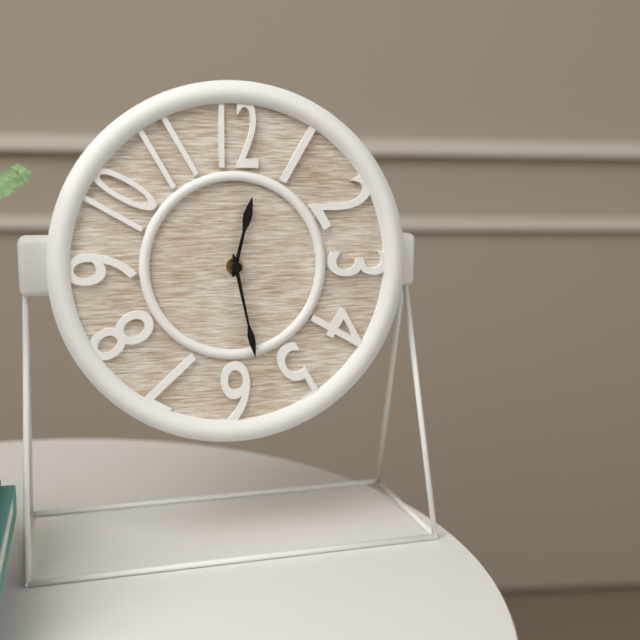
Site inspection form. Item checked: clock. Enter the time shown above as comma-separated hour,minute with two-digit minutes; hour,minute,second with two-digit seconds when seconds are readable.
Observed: 12,28
